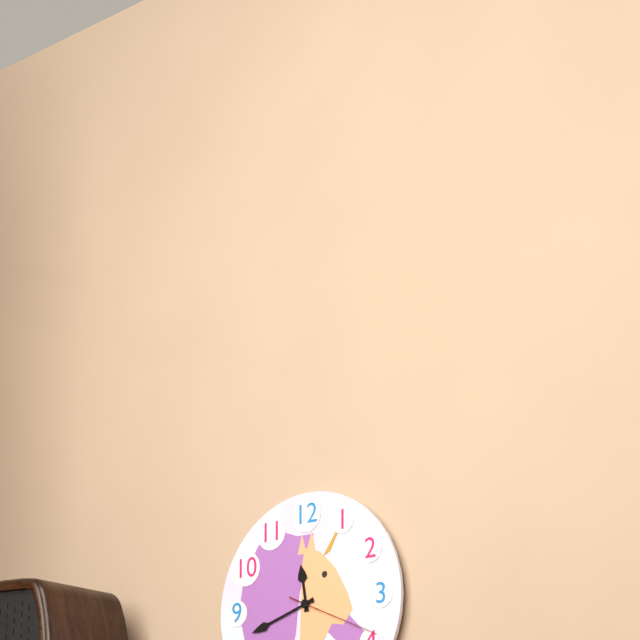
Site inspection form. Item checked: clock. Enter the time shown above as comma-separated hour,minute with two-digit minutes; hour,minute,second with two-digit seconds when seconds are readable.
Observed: 11,42,19
